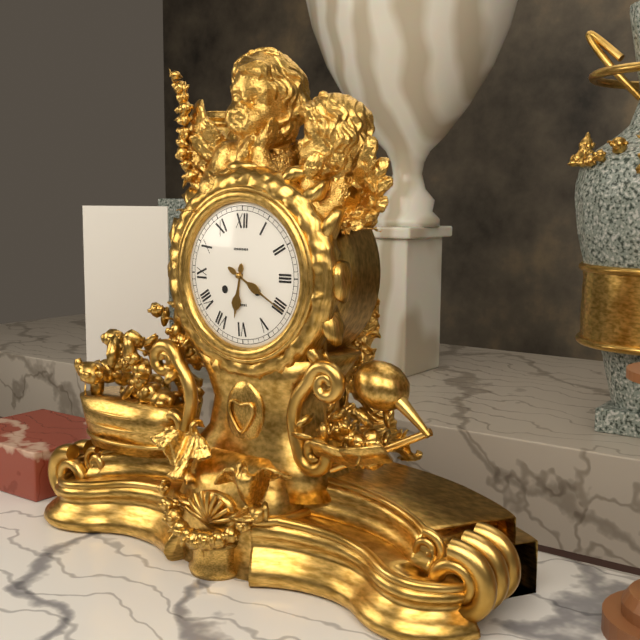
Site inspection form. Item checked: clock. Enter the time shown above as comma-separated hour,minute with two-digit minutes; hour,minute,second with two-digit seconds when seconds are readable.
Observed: 6,20
